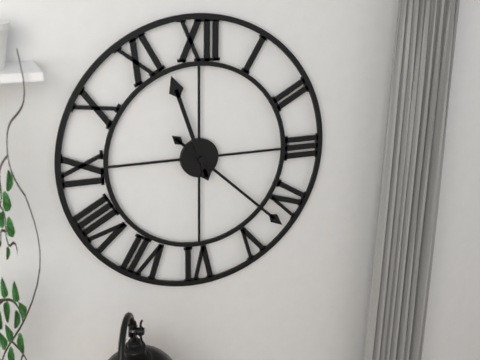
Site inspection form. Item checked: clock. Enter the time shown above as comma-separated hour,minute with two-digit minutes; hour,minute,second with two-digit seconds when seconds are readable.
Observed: 11,22
